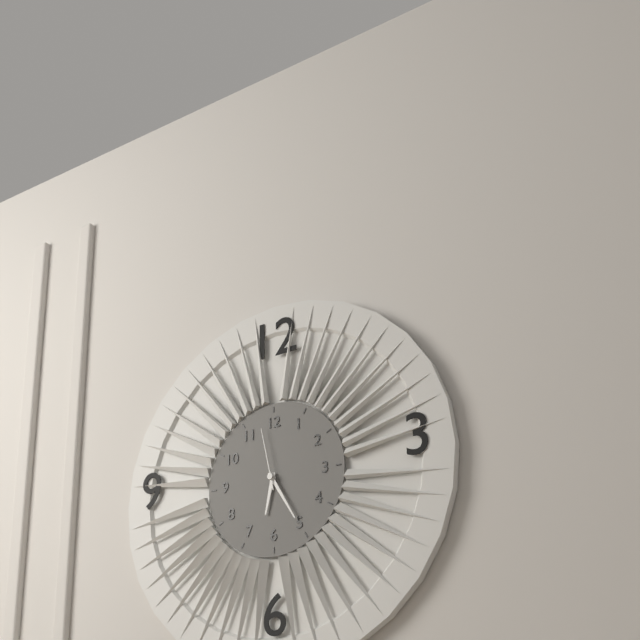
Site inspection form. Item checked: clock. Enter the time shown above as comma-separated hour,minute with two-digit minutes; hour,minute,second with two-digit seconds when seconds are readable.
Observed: 6,25,58
